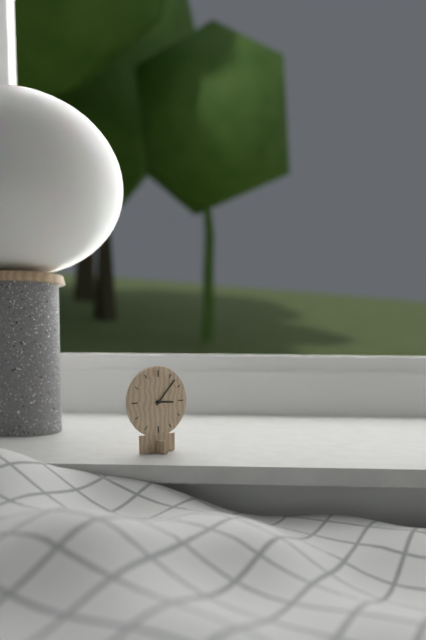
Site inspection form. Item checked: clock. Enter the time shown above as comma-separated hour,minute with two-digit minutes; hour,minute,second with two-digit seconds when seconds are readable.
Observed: 3,07
